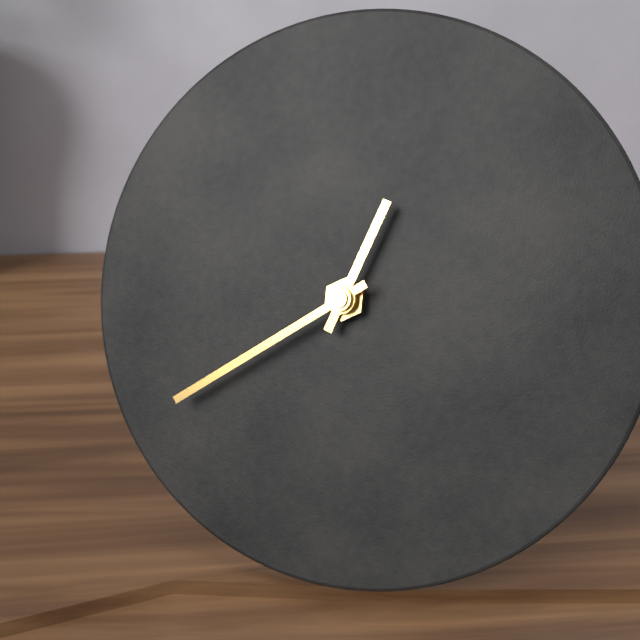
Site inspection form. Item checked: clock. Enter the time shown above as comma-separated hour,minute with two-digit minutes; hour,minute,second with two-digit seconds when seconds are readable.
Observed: 12,39
